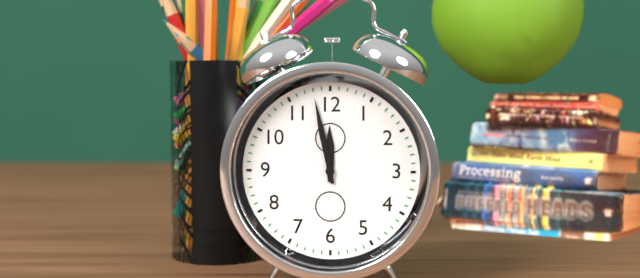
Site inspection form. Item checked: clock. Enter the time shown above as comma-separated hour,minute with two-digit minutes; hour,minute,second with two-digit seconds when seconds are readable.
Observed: 11,58
